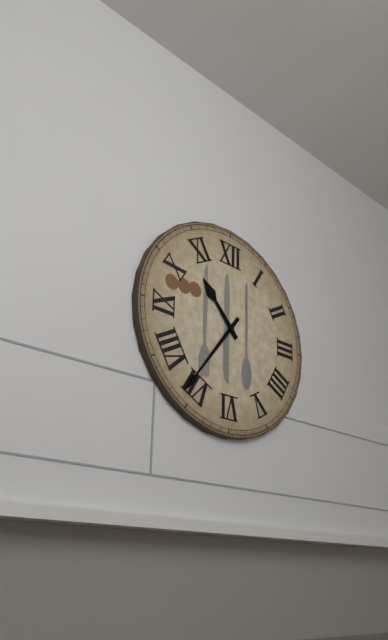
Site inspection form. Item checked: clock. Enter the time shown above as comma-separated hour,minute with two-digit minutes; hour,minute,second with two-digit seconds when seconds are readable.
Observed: 10,36
